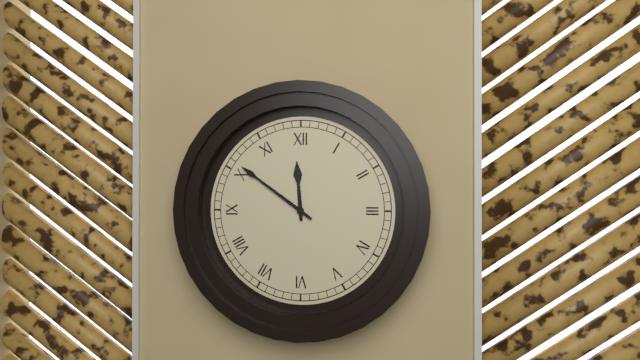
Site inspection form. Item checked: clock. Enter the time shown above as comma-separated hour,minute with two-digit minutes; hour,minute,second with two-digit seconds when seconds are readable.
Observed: 11,51
